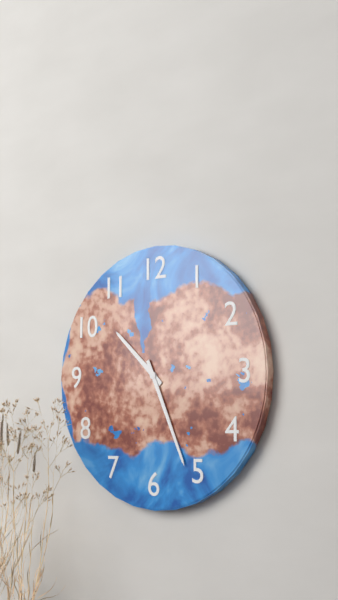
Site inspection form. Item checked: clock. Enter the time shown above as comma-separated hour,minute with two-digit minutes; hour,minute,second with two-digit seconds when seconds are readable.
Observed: 10,26
